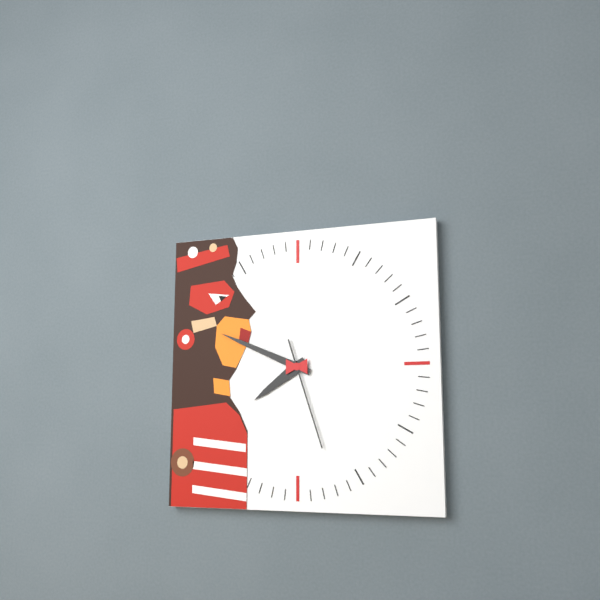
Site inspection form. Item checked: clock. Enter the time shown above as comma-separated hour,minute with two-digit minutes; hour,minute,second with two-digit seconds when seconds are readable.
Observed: 7,49,27
